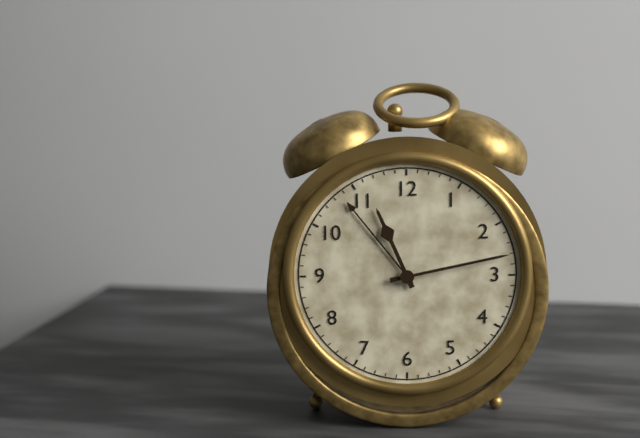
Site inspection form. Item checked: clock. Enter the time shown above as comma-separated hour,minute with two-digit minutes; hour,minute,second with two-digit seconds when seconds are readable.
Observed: 11,13
